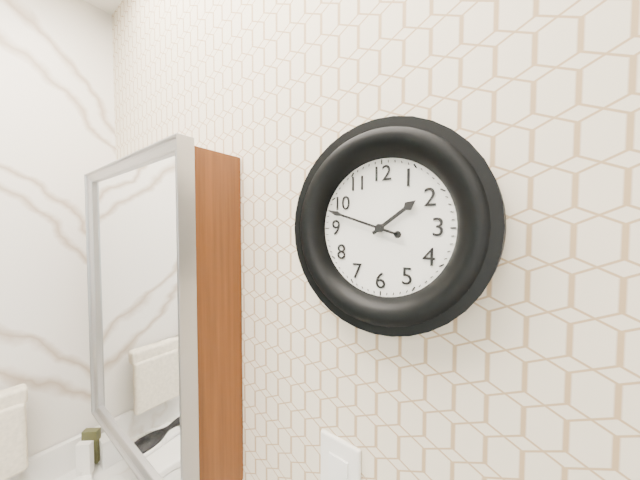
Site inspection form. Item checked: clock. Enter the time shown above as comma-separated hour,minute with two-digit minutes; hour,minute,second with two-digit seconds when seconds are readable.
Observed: 1,48
